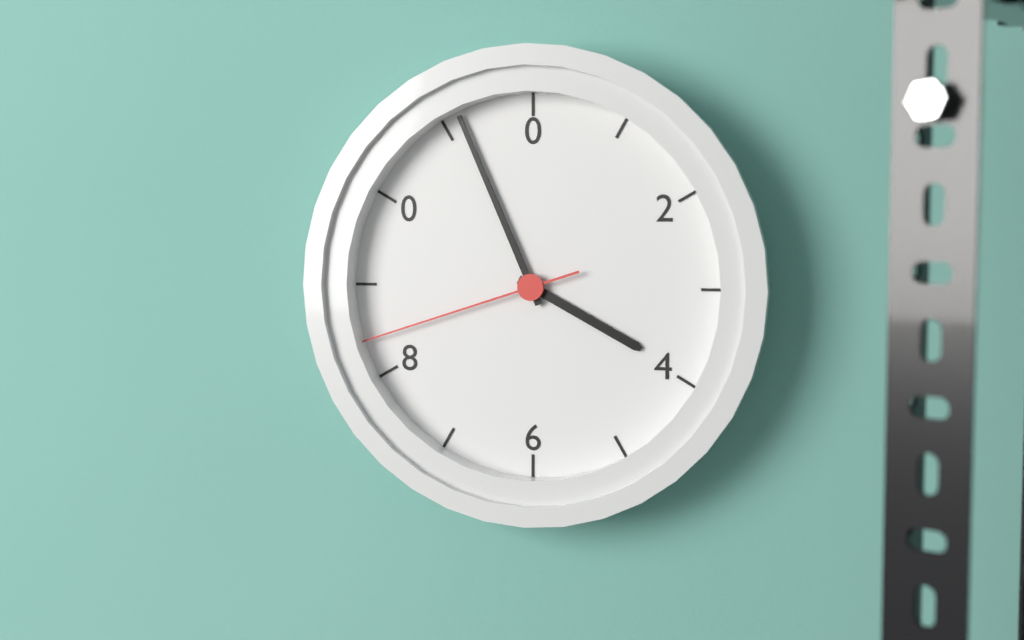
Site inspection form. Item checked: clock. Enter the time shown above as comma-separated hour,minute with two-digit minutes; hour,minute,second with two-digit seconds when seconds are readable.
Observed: 3,56,42
